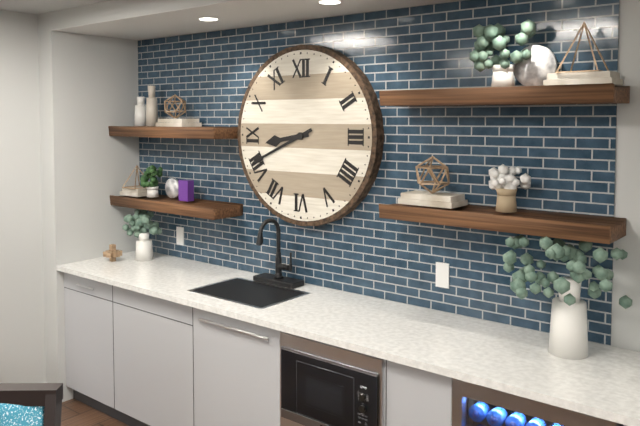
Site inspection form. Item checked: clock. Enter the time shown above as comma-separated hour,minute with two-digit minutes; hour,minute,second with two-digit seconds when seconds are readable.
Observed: 8,41
